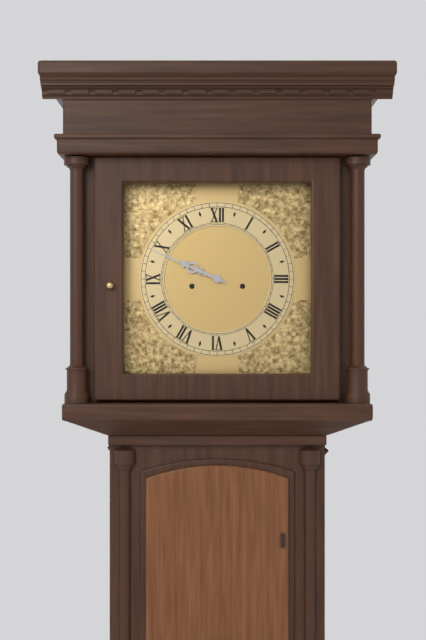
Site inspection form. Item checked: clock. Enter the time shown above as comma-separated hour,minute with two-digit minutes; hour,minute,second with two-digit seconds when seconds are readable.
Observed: 9,49
